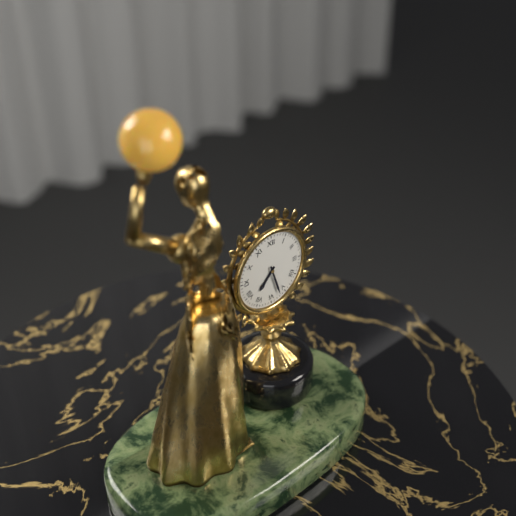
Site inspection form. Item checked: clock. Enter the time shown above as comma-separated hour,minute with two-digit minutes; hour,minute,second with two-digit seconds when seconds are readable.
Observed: 7,27
